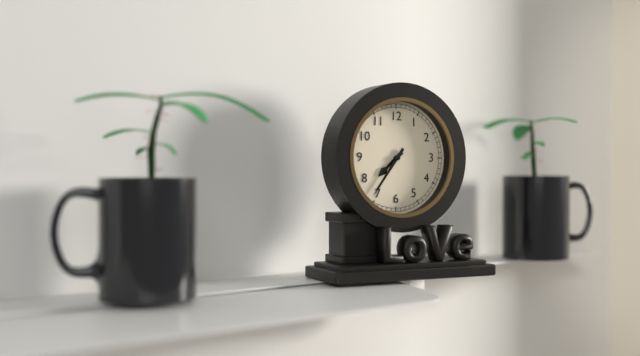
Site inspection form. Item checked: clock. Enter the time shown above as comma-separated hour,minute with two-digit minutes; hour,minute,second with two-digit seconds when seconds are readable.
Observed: 7,36
